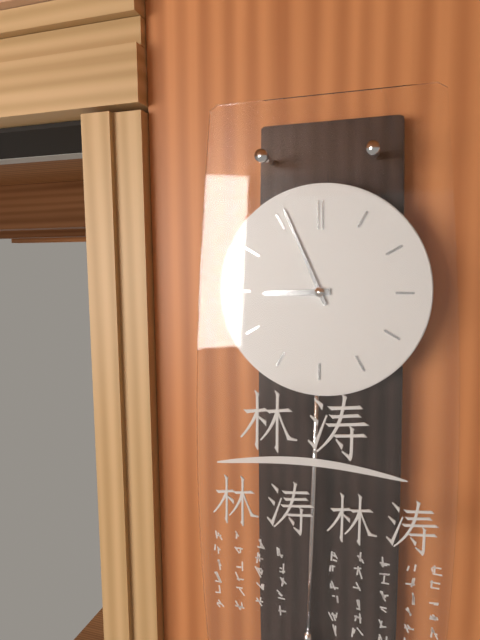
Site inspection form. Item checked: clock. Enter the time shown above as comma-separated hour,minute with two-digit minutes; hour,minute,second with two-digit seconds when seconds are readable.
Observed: 8,56
